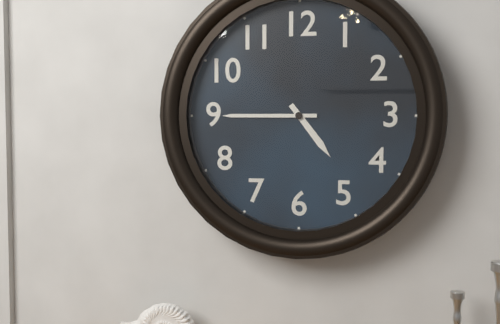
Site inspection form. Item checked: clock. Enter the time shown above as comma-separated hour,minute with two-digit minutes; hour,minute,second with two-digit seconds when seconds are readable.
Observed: 4,45
